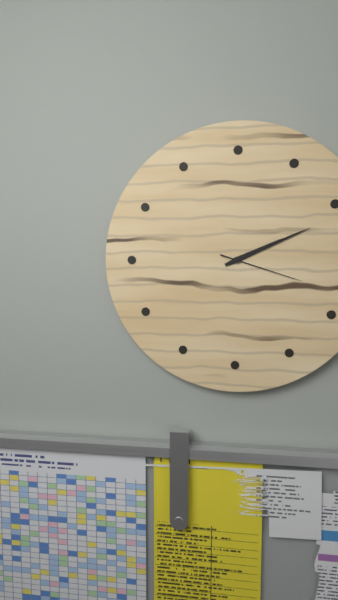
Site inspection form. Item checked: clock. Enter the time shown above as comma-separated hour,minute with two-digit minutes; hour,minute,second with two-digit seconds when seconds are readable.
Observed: 2,11,18
